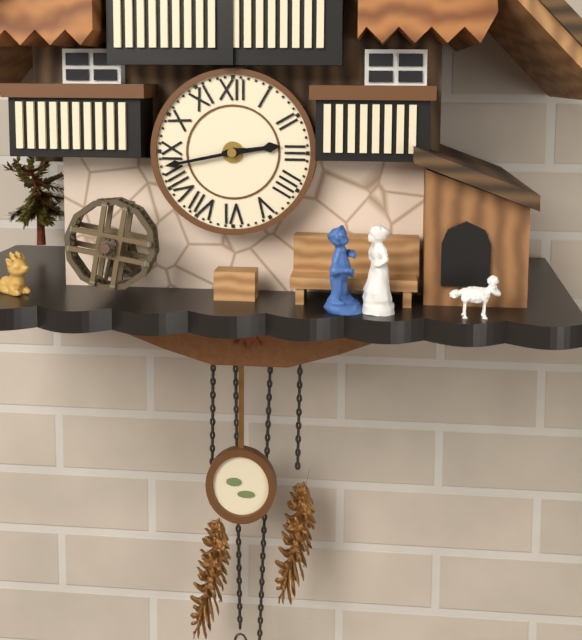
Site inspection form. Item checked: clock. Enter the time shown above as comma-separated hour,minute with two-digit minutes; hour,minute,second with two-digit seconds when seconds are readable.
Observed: 2,43
